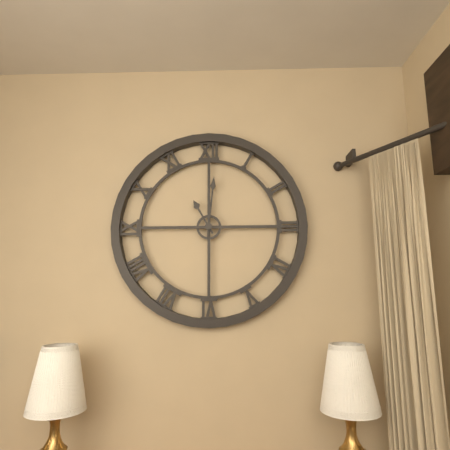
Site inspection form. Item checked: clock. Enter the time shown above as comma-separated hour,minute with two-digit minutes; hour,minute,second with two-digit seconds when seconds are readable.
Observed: 11,01
